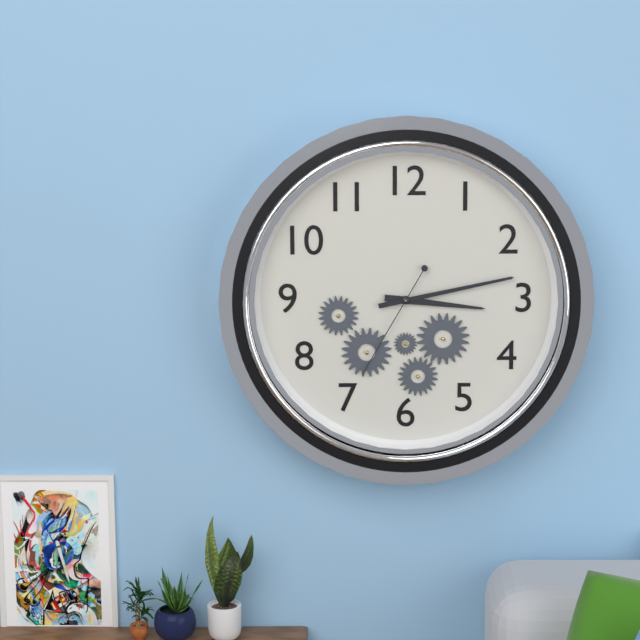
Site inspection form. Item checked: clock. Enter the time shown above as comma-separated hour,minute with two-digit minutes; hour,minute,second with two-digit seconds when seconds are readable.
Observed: 3,13,35
